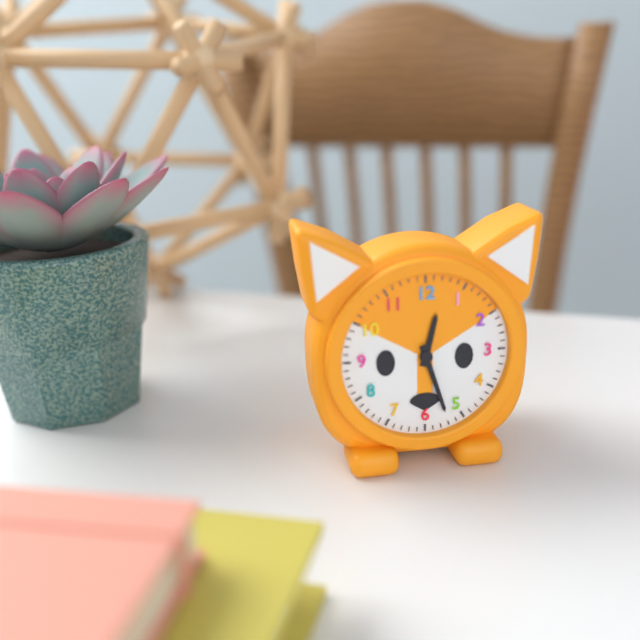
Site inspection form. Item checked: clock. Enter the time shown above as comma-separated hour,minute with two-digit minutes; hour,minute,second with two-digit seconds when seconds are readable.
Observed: 12,27
